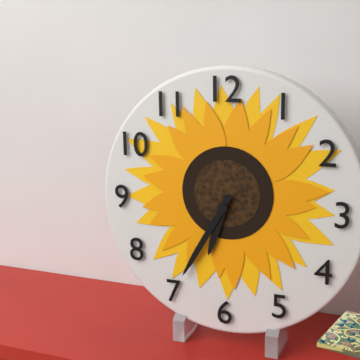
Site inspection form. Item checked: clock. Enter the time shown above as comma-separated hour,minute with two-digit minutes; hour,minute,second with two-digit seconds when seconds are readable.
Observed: 6,35
